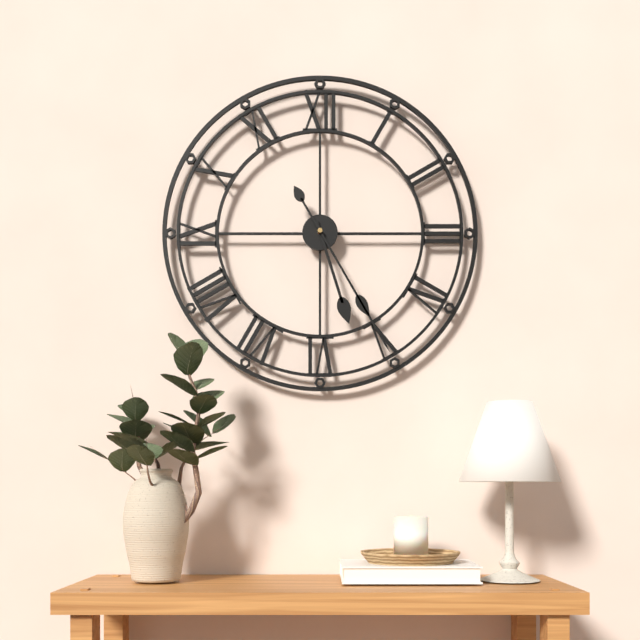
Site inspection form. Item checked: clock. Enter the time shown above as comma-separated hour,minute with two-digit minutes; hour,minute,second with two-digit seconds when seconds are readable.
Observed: 5,25
